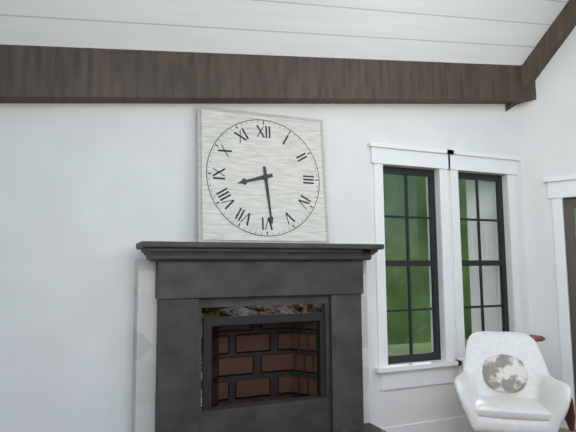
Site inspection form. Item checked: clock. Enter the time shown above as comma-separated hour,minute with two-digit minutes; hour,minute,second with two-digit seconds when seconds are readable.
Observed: 8,29
